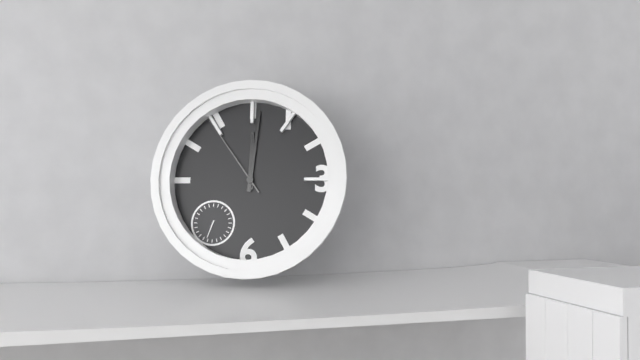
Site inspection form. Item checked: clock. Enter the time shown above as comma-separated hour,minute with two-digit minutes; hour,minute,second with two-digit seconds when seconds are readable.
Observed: 12,01,54
